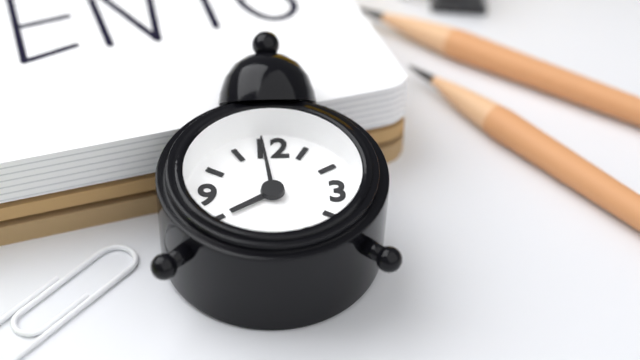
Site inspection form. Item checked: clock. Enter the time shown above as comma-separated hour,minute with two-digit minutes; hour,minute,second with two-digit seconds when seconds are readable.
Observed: 7,59
